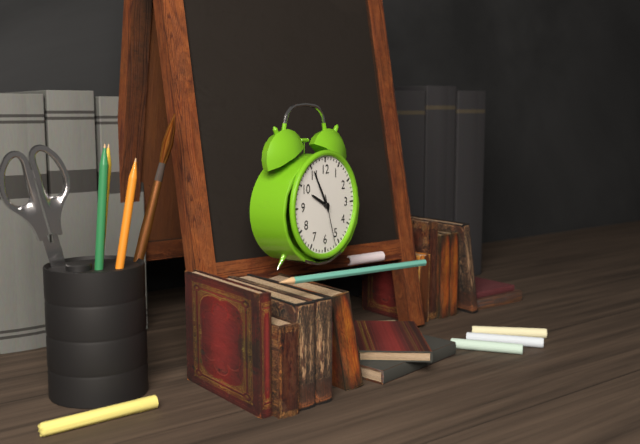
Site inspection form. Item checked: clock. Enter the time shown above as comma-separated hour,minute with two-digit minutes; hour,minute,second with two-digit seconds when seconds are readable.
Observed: 9,55,27
